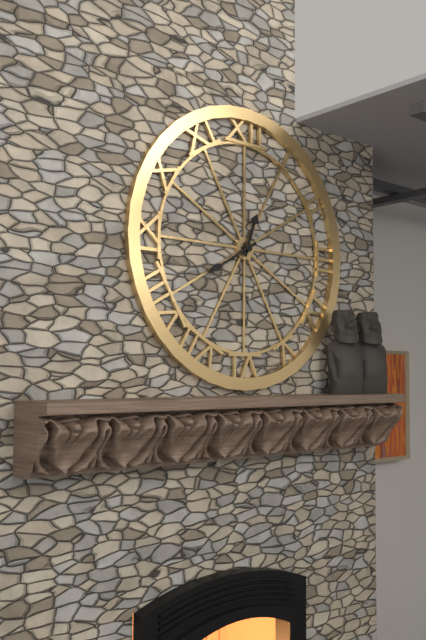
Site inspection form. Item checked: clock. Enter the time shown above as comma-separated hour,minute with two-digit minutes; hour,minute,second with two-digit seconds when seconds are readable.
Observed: 12,40
